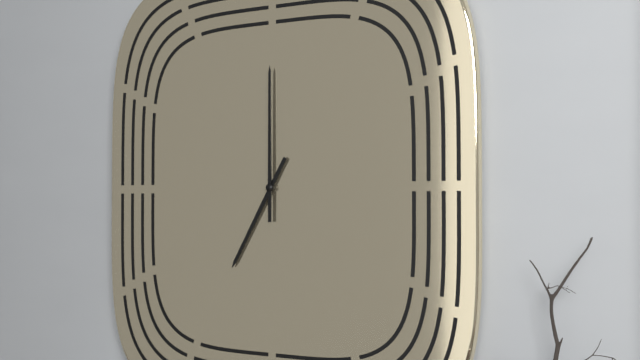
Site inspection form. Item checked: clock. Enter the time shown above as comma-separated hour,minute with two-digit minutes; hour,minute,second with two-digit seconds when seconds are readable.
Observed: 7,00
